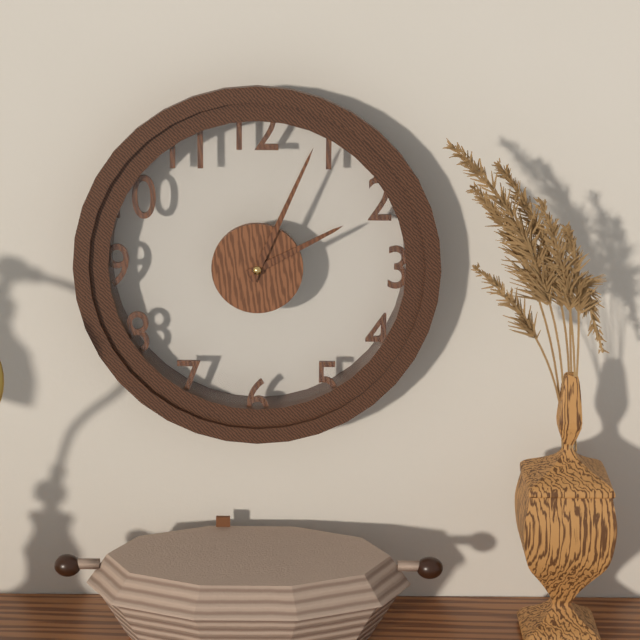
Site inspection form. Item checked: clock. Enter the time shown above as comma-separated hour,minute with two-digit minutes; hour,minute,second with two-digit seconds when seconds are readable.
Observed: 2,04
